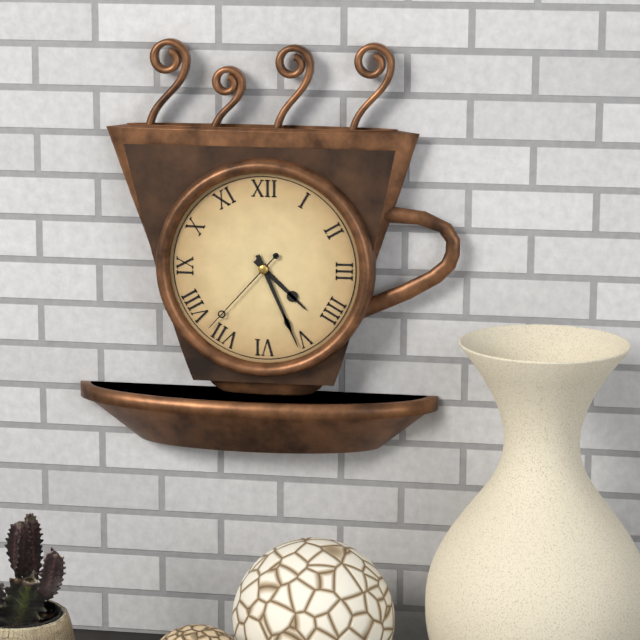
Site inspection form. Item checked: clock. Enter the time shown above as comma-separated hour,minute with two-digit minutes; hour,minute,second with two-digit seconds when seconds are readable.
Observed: 4,26,37
